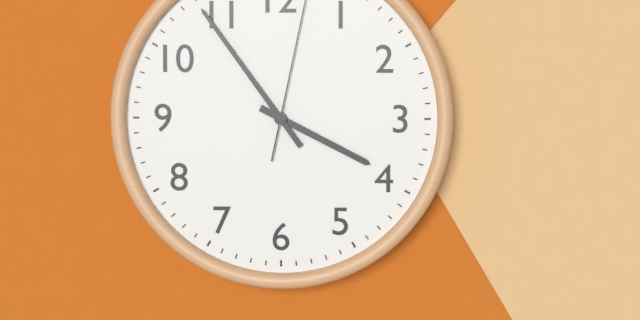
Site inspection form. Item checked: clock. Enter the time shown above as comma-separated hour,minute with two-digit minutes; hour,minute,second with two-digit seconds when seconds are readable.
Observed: 3,54
